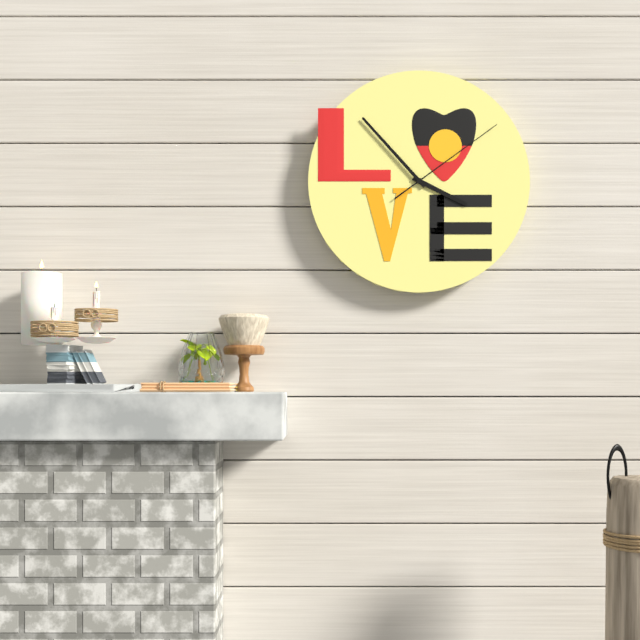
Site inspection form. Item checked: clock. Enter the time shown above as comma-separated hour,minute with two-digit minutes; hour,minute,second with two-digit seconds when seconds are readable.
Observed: 3,53,09
